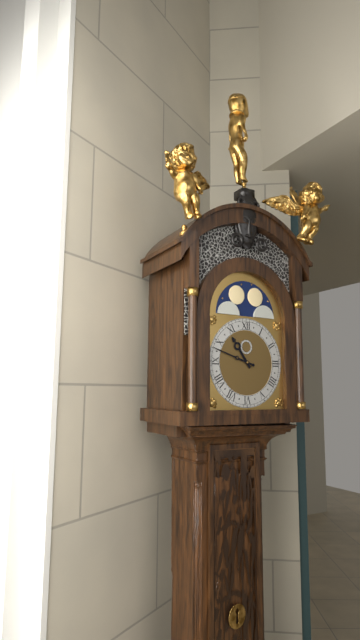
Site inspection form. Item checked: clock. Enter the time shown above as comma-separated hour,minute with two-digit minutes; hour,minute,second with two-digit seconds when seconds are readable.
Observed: 10,48
